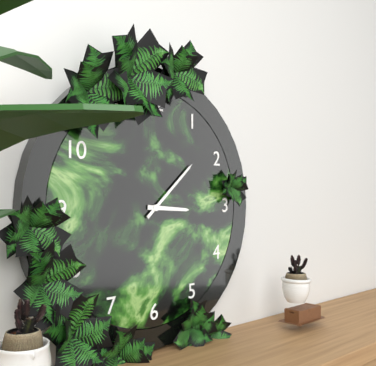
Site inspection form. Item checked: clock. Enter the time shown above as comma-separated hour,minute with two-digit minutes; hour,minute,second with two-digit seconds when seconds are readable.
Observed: 3,08
